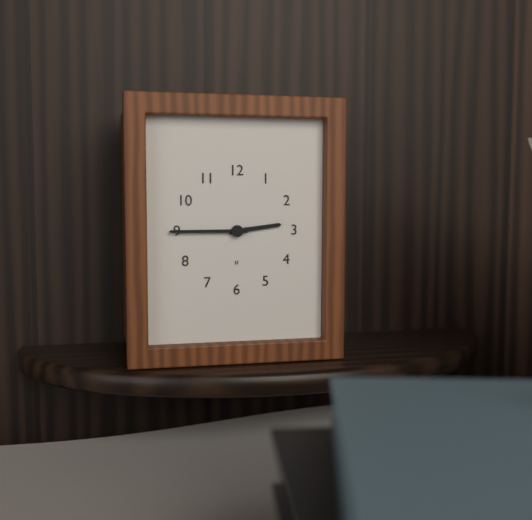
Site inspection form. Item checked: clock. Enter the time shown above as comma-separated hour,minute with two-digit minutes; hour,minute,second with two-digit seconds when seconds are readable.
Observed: 2,45
